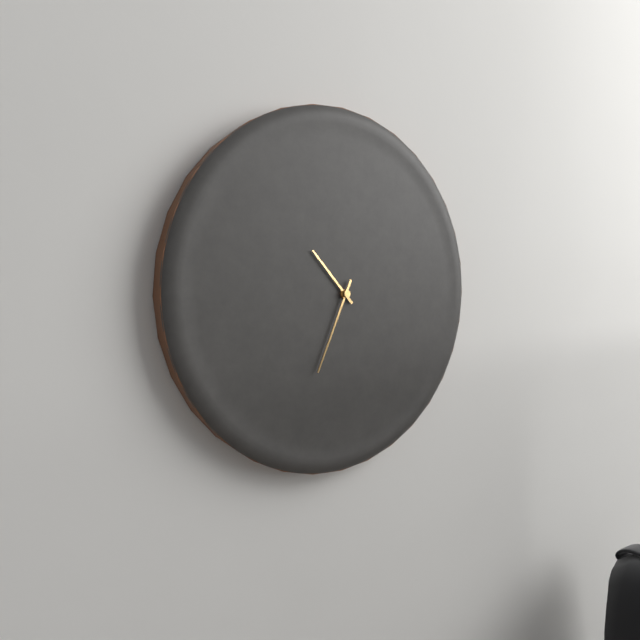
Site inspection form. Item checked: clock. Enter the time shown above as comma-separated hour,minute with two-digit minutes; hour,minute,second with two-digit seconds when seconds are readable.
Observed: 10,34
